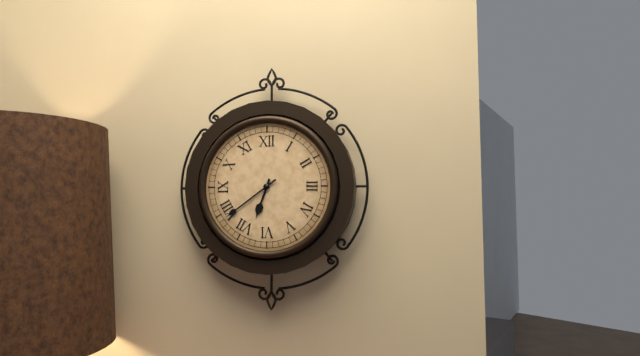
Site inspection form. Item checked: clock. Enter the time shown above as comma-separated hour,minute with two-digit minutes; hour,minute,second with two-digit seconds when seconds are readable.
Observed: 6,39
